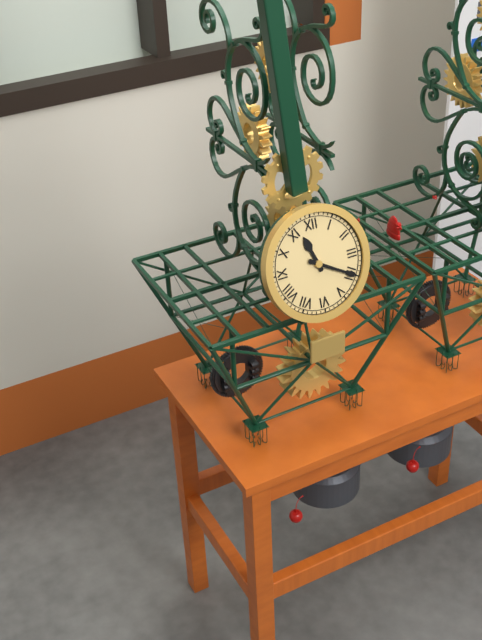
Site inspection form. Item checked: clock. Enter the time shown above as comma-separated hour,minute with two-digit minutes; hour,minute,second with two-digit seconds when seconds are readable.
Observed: 11,20
